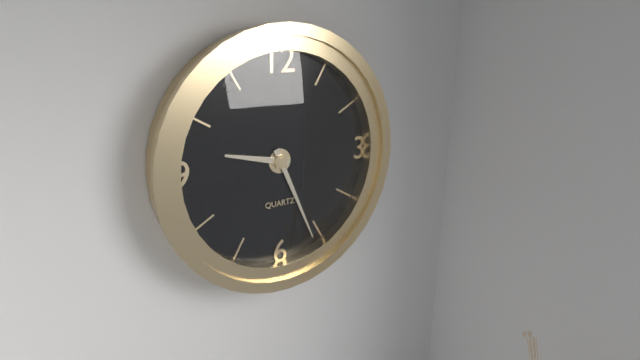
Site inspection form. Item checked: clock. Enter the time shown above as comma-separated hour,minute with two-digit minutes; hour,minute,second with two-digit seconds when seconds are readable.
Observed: 9,26
